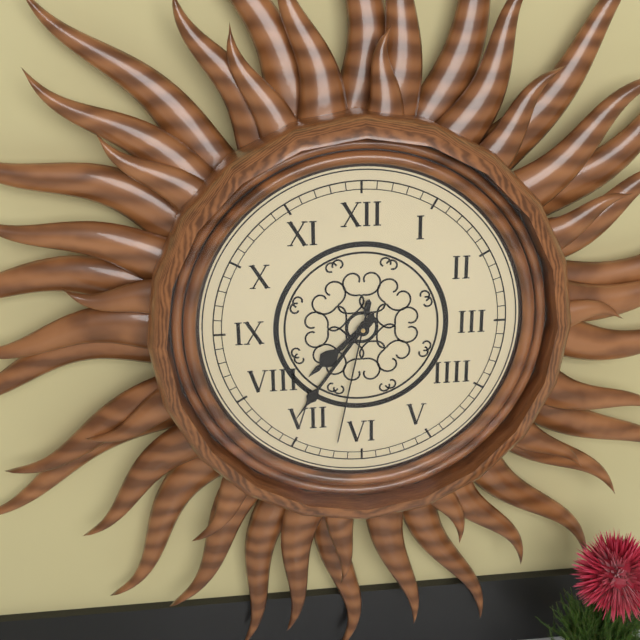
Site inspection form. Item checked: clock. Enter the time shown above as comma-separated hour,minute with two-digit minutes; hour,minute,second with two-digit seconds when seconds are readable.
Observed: 7,36,32
